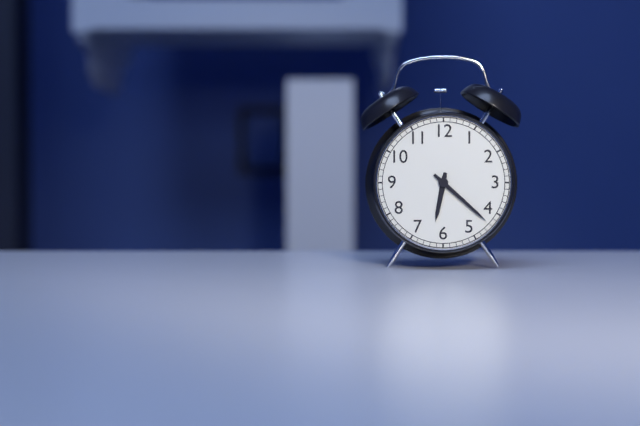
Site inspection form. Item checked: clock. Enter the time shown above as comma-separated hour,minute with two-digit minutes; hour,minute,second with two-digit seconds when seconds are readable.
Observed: 6,22
